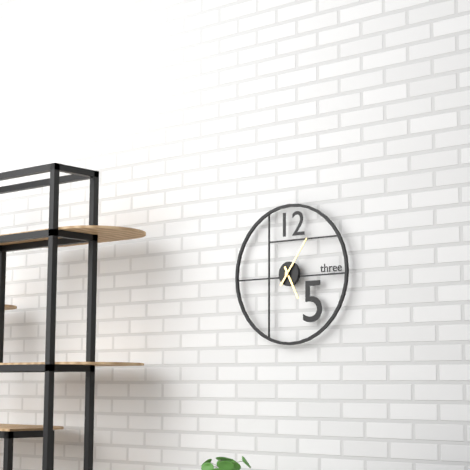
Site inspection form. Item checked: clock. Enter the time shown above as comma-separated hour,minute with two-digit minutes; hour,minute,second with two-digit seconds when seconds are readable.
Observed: 5,06
